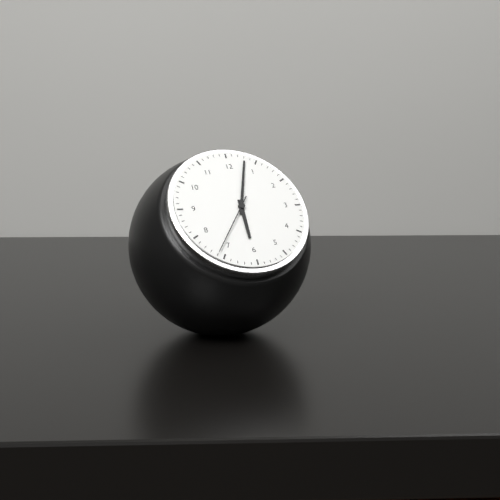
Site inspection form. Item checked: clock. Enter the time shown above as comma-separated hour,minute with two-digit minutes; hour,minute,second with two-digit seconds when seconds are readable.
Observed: 6,03,36
